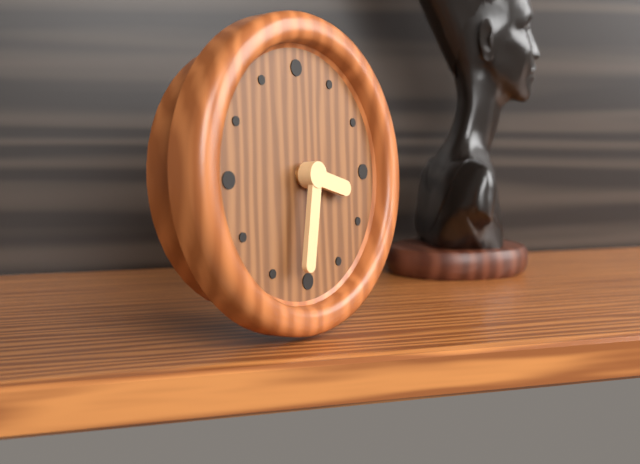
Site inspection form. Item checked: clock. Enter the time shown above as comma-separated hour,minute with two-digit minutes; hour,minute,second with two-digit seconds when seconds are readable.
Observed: 3,32
